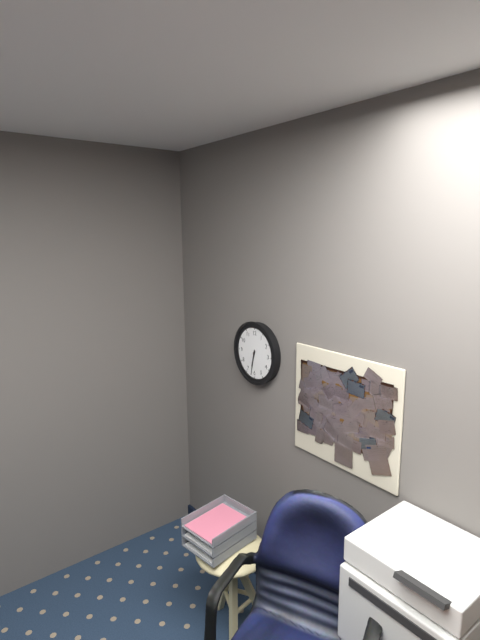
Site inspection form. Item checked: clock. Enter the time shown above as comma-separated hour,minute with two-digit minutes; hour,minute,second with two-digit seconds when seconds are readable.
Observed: 6,32
